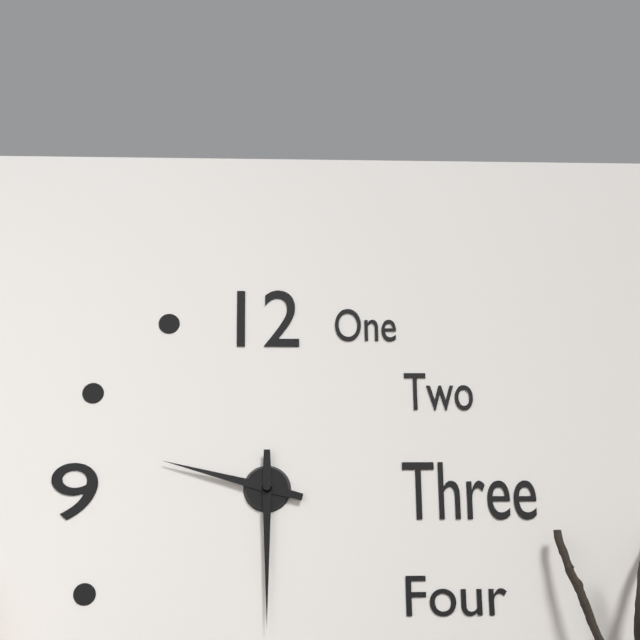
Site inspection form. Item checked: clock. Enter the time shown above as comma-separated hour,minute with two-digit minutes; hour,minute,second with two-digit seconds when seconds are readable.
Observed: 9,30
